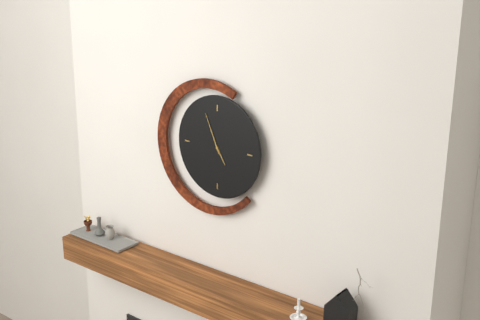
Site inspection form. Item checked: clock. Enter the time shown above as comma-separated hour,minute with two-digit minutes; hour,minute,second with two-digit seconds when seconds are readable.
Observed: 4,56
